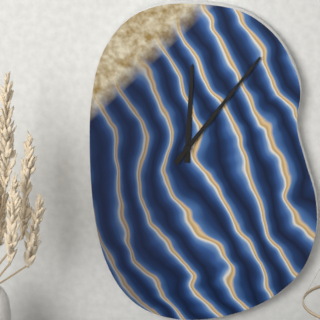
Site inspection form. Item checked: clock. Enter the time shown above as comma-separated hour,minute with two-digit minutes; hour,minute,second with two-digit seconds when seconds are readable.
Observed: 12,06
